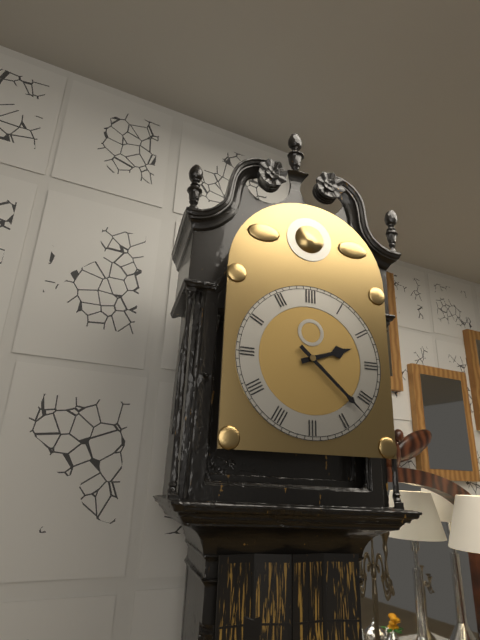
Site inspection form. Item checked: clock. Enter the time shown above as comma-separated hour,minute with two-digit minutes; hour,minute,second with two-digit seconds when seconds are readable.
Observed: 2,22
